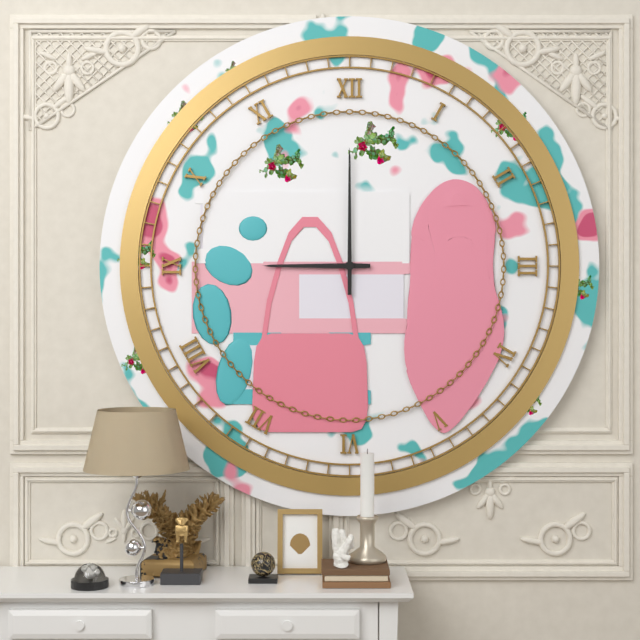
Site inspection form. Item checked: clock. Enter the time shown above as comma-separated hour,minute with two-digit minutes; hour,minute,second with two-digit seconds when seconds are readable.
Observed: 9,00
